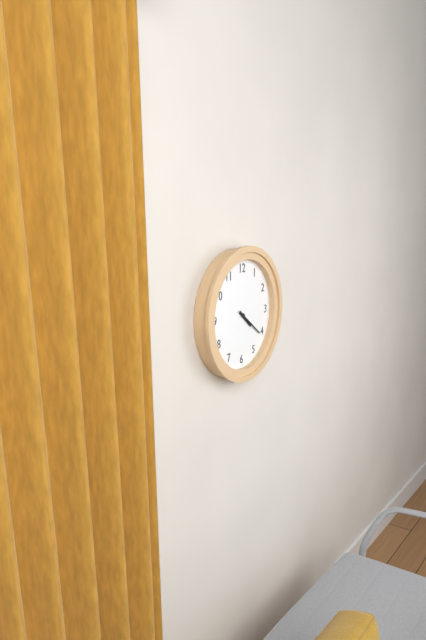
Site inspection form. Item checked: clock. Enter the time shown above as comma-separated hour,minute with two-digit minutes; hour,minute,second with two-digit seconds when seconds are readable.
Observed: 4,21
